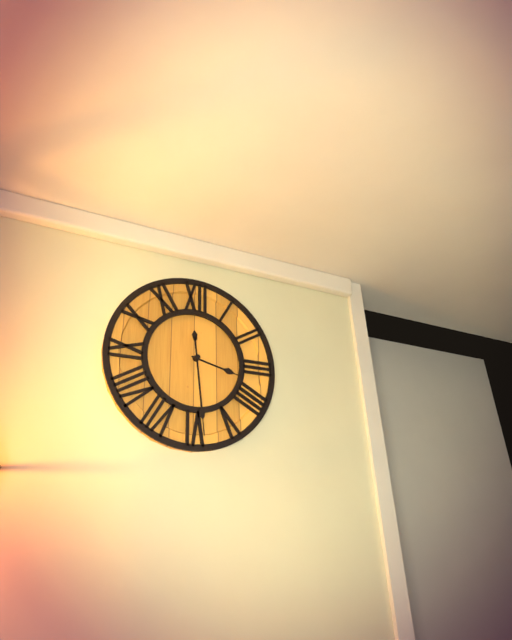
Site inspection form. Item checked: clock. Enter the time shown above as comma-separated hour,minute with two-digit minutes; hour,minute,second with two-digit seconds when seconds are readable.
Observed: 3,29
